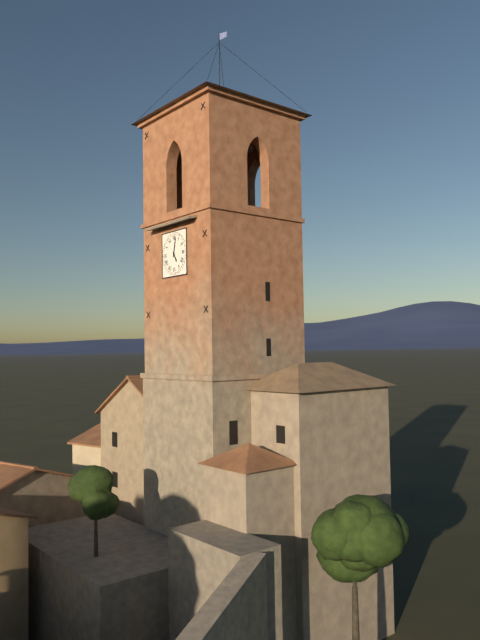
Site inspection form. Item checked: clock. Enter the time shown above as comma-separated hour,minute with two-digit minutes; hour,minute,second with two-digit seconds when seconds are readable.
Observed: 5,02
